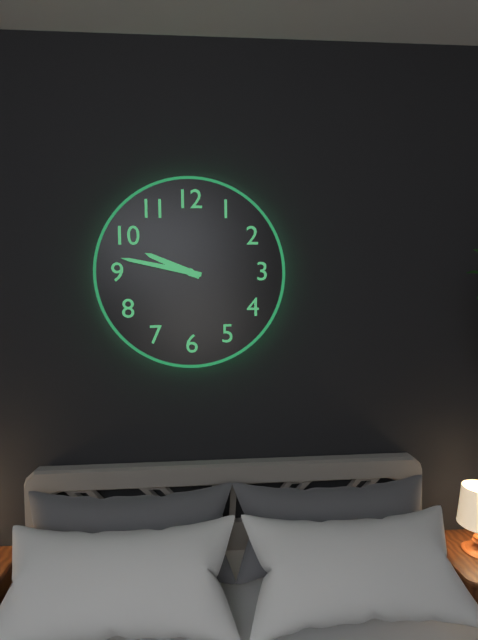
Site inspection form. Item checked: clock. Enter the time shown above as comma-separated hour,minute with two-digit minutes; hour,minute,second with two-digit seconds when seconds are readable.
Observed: 9,47
